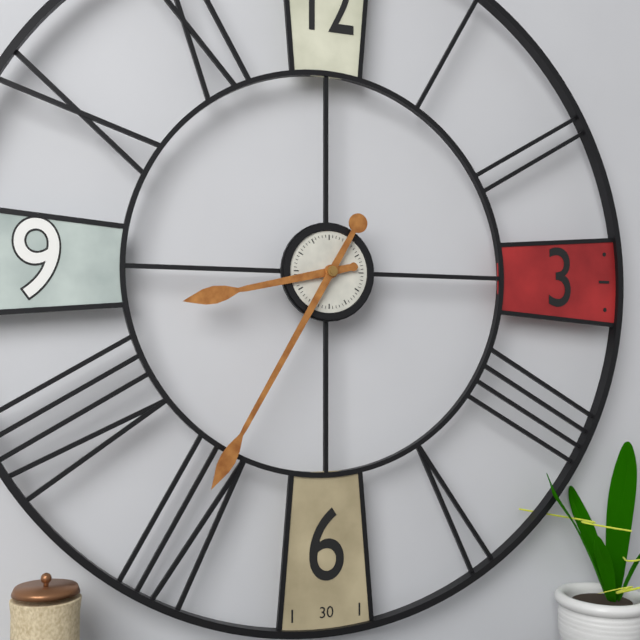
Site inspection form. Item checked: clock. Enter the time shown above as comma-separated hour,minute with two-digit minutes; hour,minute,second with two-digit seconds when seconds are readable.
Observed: 8,35
